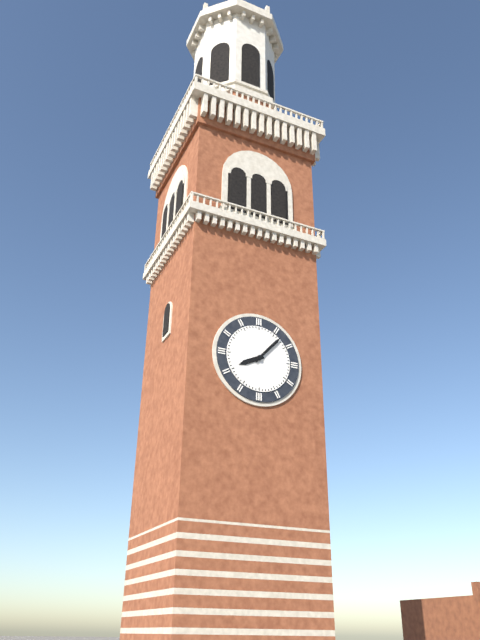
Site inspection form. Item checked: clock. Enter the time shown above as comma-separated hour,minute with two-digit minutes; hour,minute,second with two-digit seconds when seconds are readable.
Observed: 8,07
